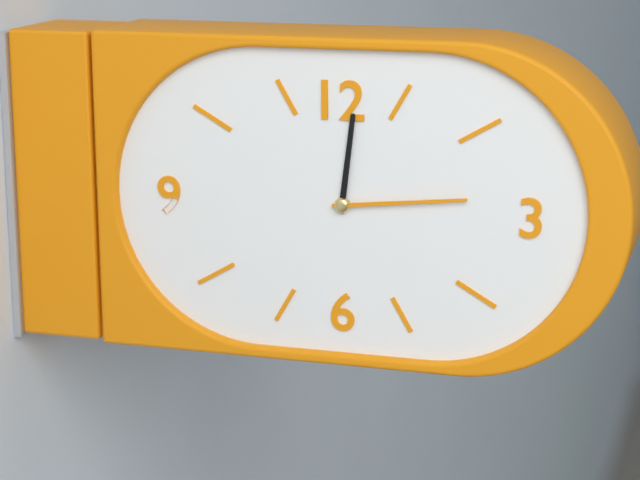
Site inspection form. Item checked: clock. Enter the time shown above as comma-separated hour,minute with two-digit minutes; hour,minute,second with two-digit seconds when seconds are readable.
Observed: 12,14
